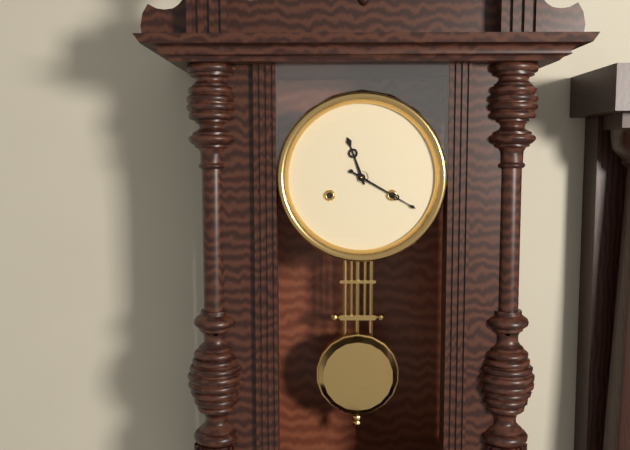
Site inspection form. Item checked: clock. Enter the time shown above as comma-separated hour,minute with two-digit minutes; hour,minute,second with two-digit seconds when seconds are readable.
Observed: 11,20
